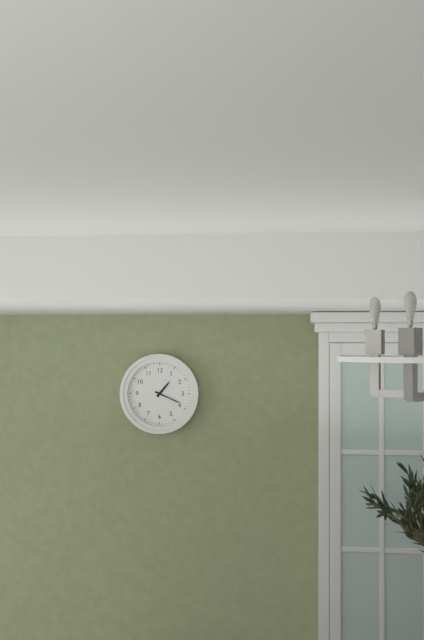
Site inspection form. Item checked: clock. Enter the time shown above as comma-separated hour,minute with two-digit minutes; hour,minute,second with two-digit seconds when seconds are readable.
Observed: 1,19
